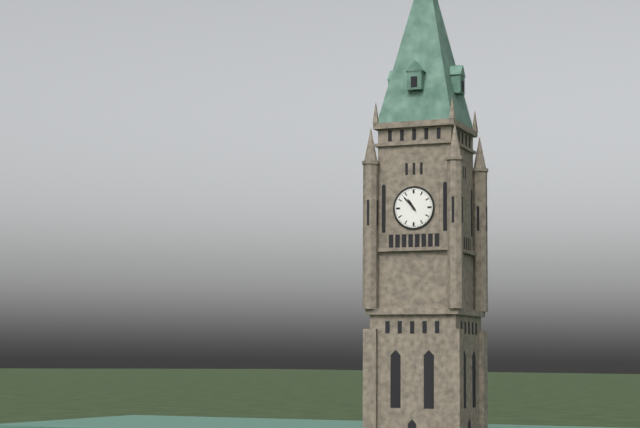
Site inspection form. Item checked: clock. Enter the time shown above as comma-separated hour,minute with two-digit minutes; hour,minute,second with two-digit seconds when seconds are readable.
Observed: 10,53
